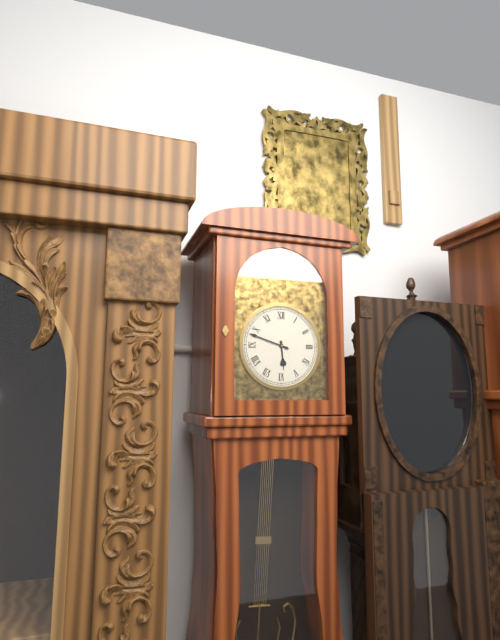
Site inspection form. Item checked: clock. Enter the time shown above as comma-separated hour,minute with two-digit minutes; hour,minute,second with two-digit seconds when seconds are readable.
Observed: 5,48
